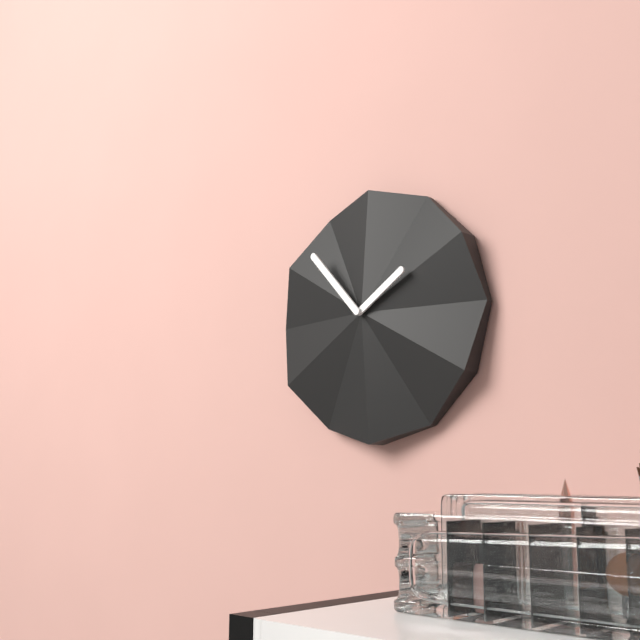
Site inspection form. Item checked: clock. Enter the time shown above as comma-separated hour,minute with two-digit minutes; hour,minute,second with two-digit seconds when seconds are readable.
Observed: 1,53
